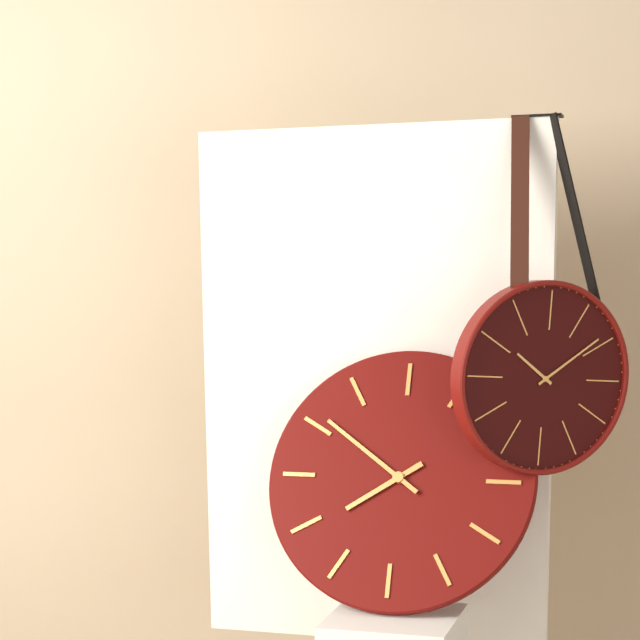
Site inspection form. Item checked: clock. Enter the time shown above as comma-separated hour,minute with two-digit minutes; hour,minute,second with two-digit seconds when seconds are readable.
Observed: 7,51
